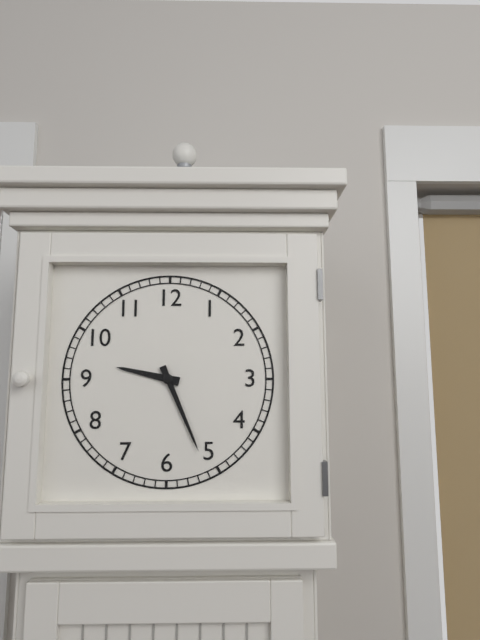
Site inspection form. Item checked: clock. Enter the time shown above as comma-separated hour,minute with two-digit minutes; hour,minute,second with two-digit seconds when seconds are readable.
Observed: 9,26
